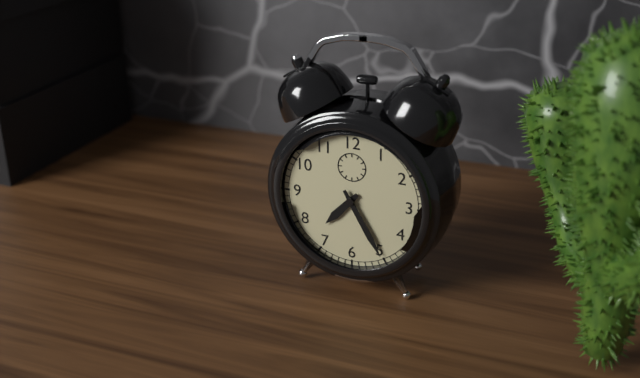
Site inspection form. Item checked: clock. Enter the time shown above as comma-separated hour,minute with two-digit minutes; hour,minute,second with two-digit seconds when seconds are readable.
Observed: 7,25
